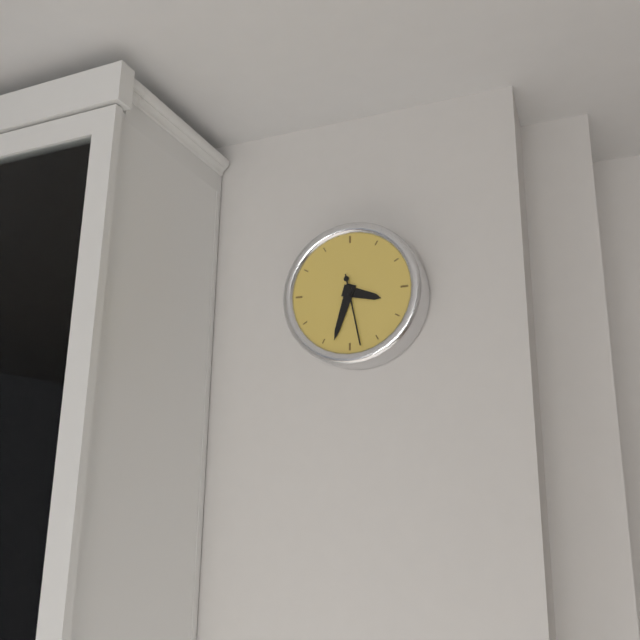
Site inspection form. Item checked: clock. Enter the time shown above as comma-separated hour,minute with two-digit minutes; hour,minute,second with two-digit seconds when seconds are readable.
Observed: 3,33,28
